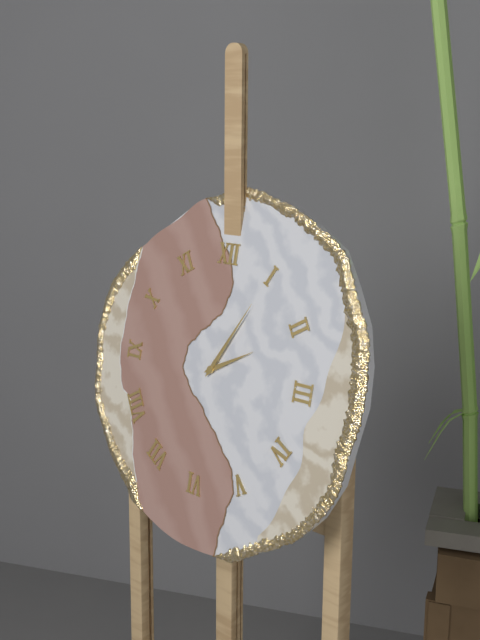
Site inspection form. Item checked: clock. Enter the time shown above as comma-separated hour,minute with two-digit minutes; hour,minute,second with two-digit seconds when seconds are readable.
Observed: 2,05
